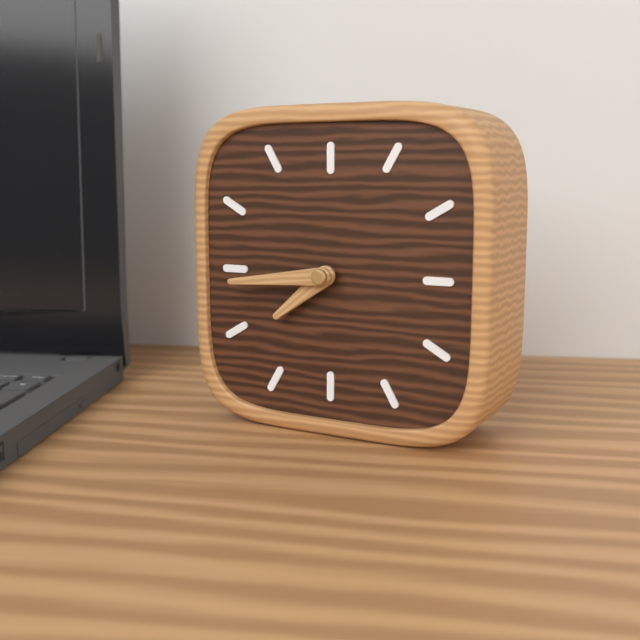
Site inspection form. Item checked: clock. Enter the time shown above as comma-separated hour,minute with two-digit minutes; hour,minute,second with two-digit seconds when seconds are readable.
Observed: 7,44
